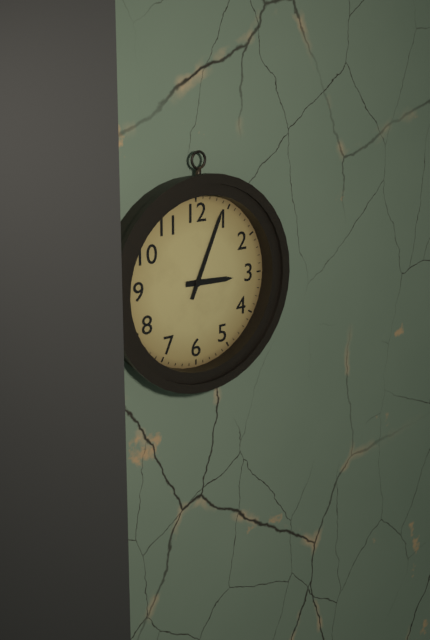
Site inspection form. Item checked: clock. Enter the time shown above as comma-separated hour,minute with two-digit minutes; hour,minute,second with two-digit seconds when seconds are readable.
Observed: 3,04
